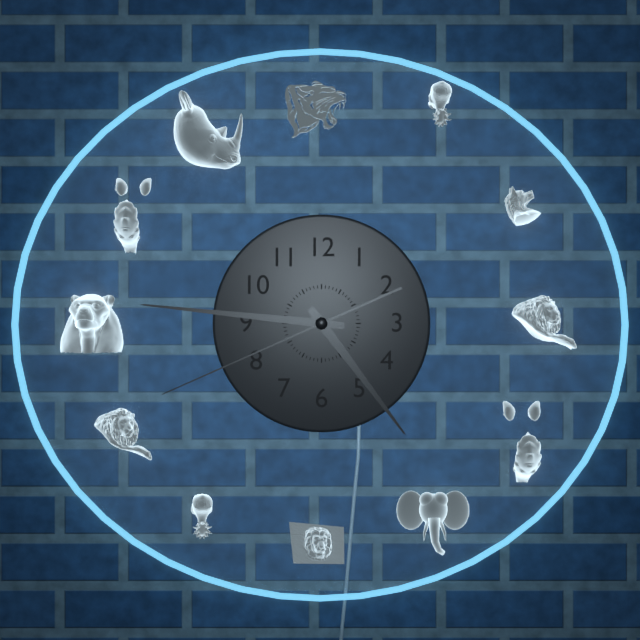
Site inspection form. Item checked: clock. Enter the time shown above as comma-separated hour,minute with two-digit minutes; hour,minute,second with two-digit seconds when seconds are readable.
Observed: 4,46,41
